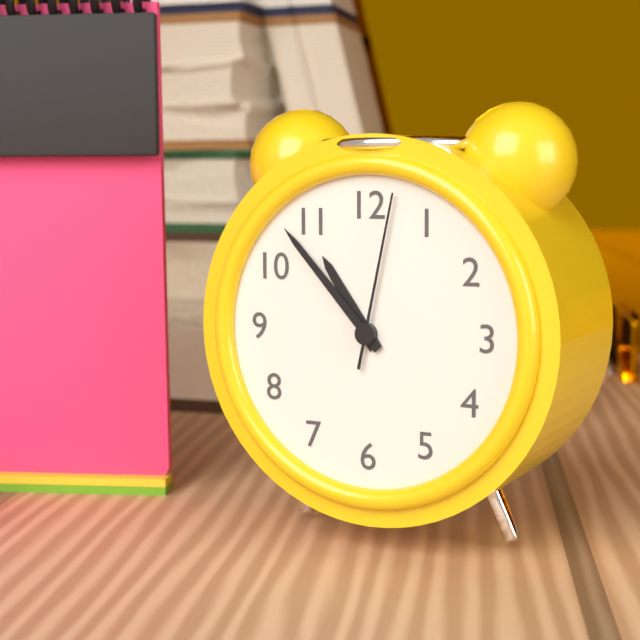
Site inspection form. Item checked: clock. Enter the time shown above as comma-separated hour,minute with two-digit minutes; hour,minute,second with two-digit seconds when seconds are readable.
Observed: 10,53,02
